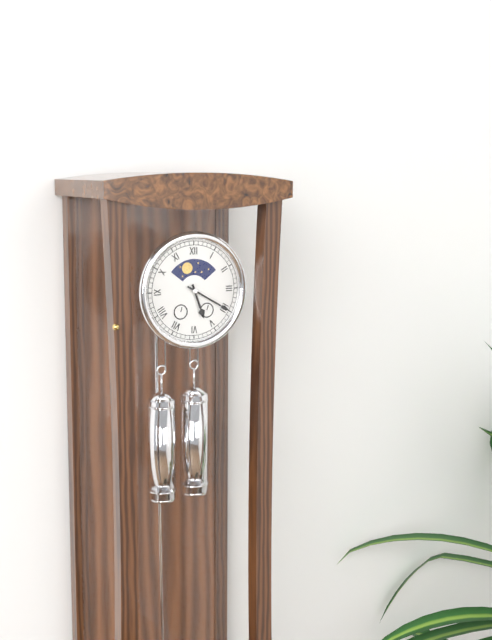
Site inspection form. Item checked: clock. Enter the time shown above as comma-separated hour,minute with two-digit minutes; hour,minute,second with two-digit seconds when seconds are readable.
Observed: 5,20
